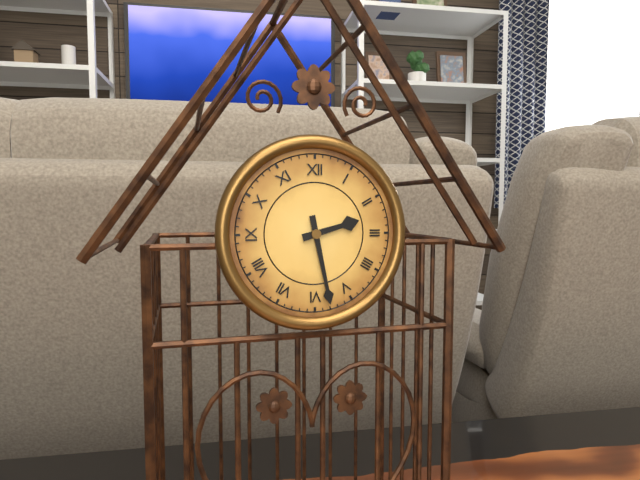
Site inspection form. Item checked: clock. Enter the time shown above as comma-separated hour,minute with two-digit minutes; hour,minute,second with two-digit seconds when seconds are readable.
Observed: 2,28
